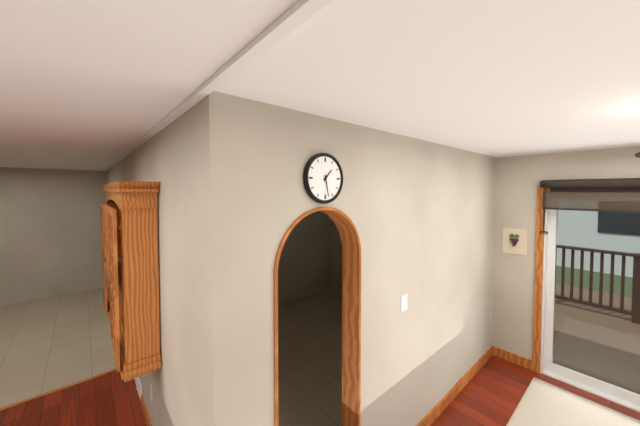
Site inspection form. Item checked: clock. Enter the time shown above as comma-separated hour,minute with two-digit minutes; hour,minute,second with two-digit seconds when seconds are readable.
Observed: 1,28
